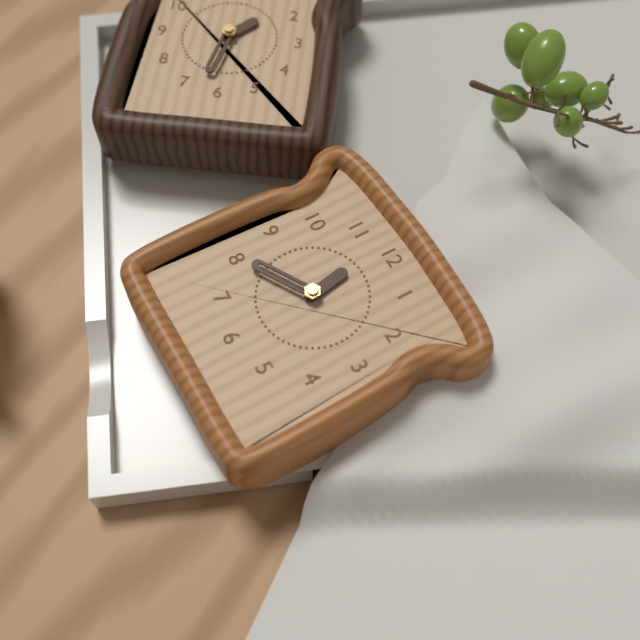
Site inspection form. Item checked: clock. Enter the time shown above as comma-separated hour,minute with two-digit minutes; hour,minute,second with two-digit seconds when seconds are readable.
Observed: 11,40
